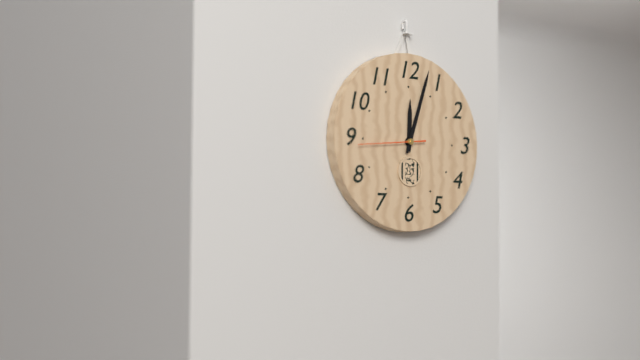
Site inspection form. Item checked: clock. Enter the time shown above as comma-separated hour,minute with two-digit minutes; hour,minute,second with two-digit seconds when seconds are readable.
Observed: 12,03,44
